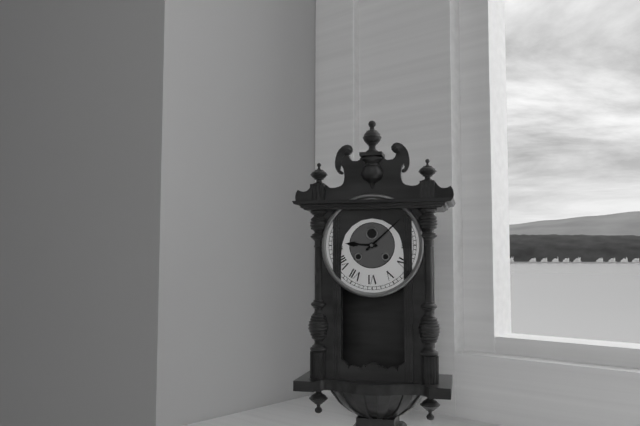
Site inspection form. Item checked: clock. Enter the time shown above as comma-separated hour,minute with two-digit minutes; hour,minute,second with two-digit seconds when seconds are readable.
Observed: 9,08
